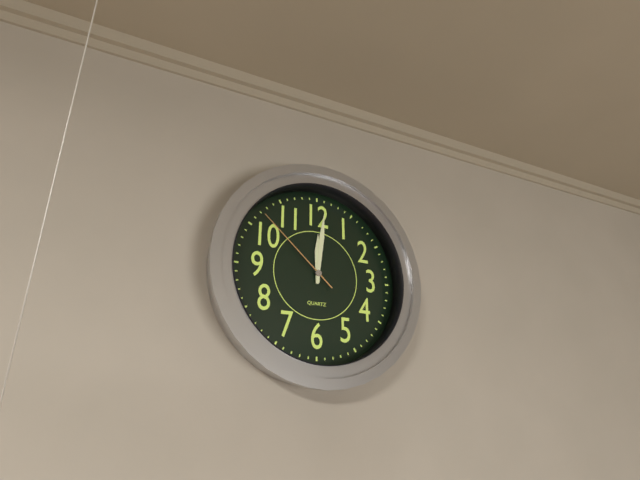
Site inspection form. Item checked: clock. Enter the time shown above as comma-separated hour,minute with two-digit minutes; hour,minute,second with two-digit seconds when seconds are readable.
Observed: 12,01,52
